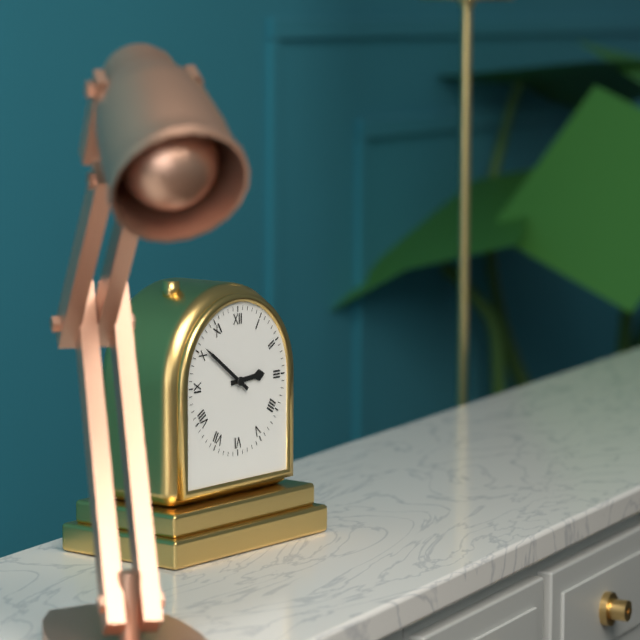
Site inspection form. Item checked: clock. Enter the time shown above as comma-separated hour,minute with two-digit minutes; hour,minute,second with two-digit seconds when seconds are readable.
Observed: 2,51
